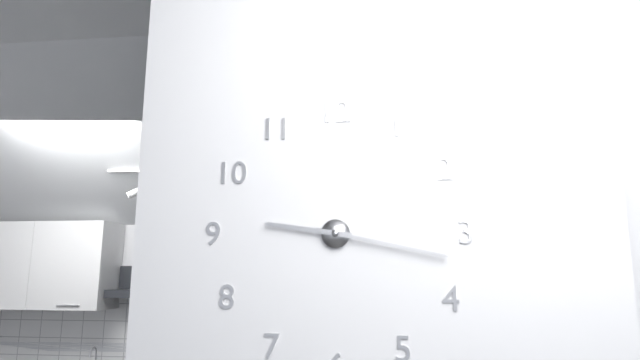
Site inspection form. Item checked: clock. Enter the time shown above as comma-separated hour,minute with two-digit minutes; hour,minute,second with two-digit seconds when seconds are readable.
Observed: 9,17
